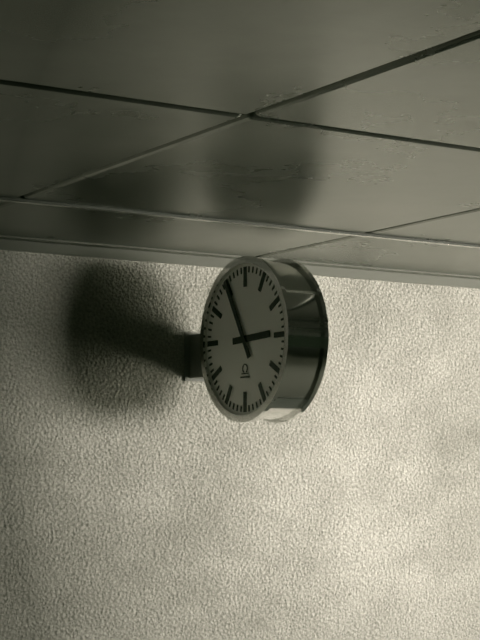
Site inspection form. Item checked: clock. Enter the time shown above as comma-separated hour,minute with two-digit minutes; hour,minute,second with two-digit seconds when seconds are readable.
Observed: 2,55
